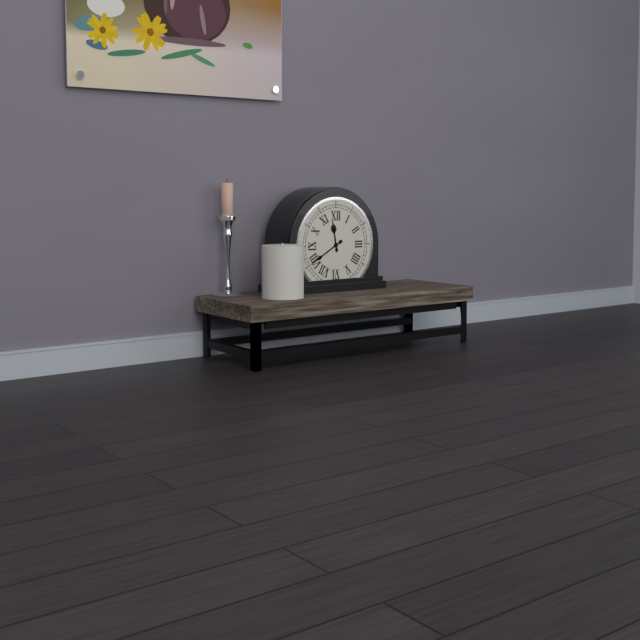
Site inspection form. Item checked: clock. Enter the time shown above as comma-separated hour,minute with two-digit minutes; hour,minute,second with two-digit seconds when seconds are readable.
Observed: 11,40
